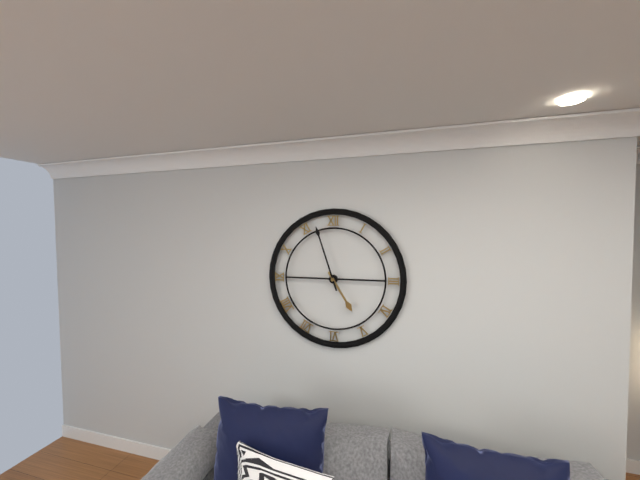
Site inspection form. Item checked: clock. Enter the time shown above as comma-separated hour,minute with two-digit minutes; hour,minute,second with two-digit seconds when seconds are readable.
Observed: 4,57
